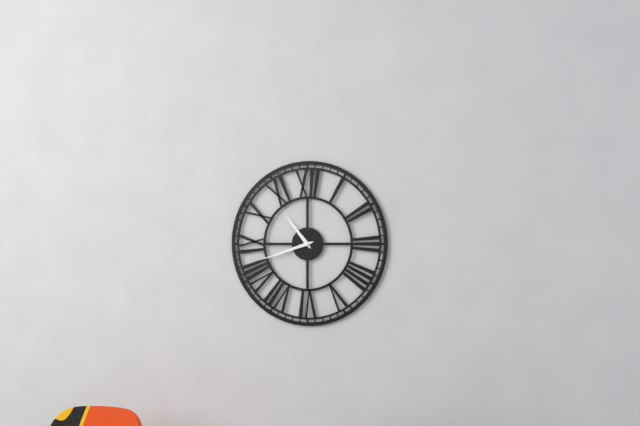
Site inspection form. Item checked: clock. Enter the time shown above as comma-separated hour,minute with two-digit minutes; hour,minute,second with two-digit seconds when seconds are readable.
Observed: 10,42
